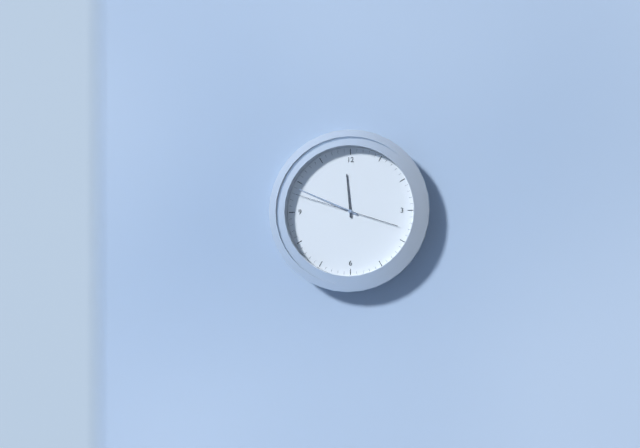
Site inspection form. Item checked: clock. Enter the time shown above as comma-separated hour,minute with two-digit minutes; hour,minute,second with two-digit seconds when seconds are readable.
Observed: 11,49,48
